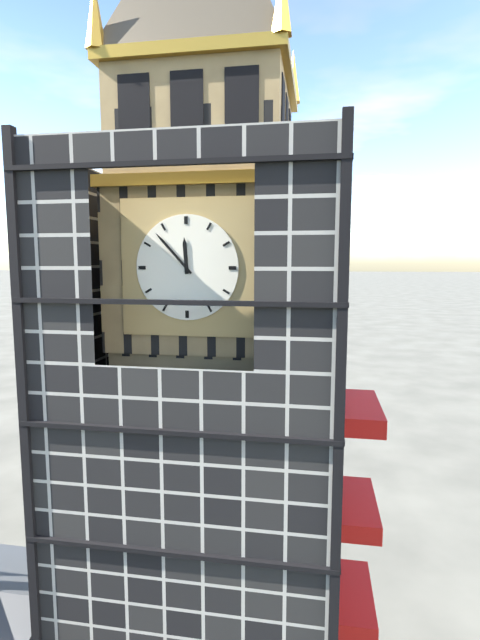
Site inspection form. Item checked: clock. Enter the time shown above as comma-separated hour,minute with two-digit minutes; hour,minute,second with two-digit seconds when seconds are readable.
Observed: 11,53
